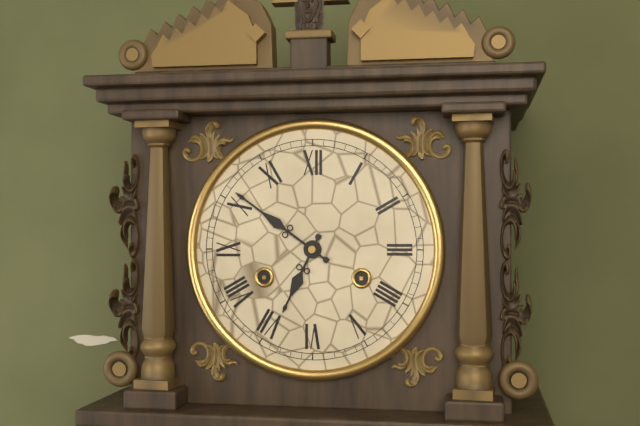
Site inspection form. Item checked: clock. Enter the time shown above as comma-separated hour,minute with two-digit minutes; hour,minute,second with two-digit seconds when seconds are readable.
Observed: 6,51
